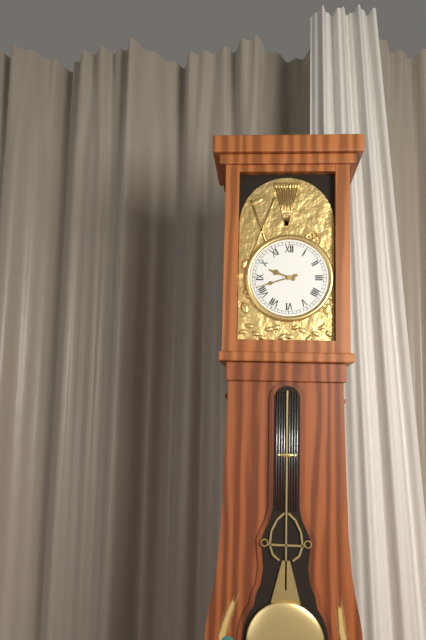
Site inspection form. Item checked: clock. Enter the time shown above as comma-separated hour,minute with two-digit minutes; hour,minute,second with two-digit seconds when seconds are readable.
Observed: 9,42
